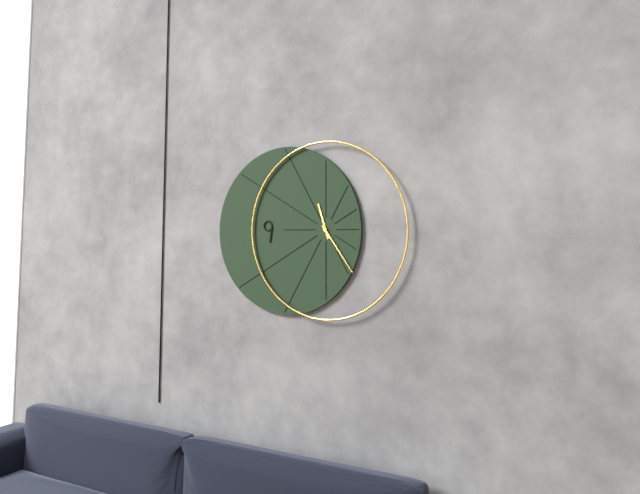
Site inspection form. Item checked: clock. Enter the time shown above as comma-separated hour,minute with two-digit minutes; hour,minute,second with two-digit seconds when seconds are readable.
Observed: 11,24
